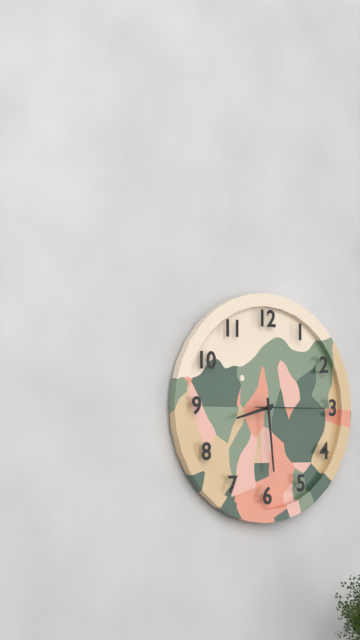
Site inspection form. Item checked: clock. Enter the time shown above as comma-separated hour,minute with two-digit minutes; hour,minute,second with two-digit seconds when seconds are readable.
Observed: 8,29,15
